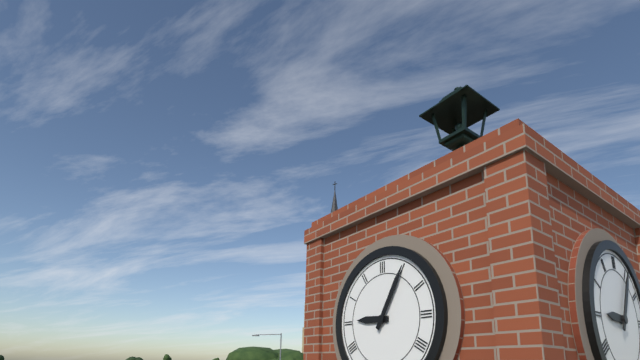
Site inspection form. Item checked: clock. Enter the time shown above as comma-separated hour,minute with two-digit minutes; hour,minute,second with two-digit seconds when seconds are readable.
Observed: 9,05
